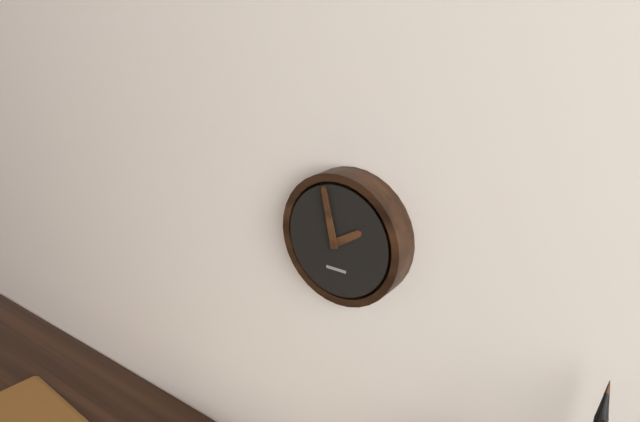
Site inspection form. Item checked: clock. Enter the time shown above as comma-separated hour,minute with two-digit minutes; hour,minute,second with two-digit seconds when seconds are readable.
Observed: 1,58
